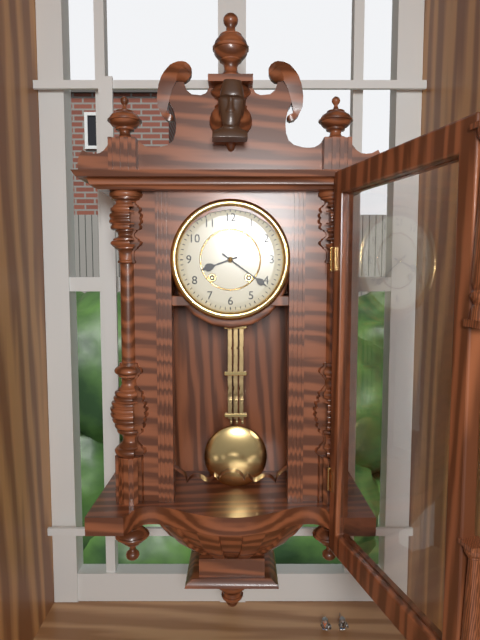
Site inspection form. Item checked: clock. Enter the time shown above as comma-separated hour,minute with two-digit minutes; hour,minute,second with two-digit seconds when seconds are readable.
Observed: 8,21
